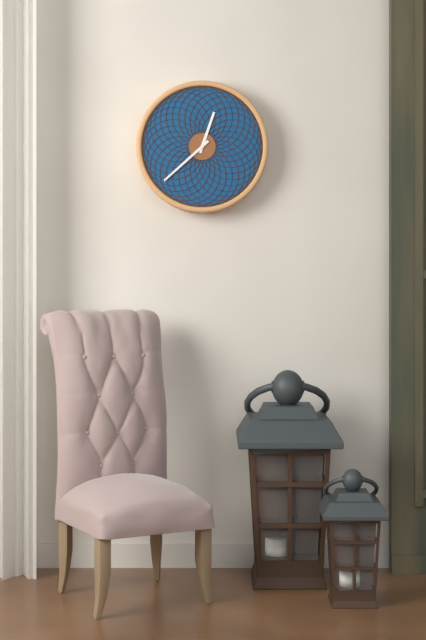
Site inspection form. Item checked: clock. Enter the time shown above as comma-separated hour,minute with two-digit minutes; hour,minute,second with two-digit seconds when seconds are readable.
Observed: 12,38
